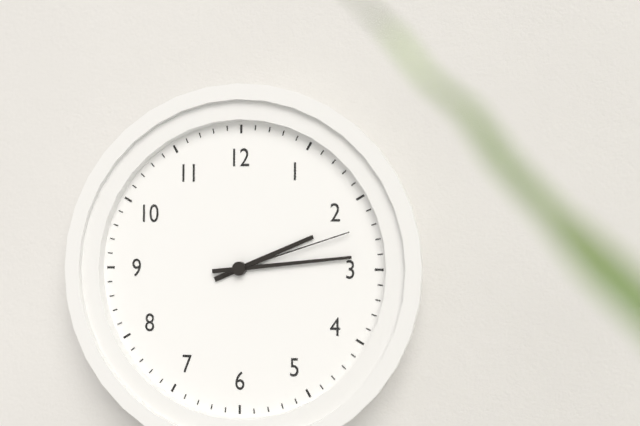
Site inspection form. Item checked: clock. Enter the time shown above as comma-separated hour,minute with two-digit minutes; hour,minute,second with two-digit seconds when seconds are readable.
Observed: 2,14,12
